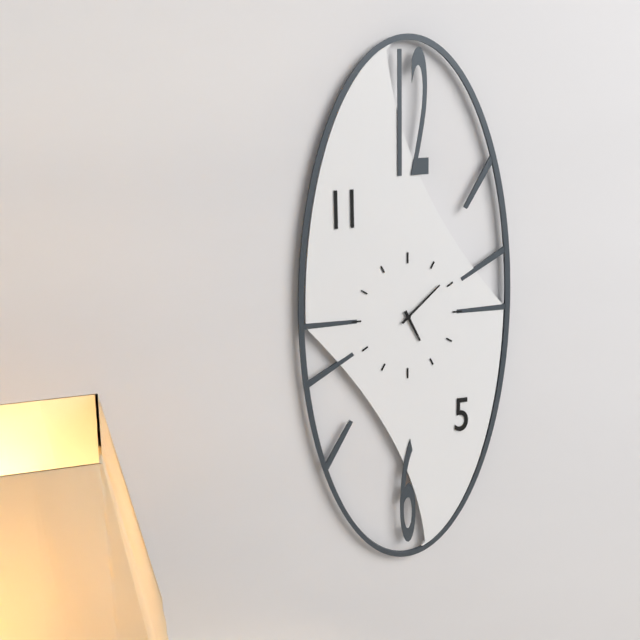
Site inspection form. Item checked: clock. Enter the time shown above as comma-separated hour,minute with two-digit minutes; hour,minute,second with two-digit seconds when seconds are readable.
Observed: 5,08
